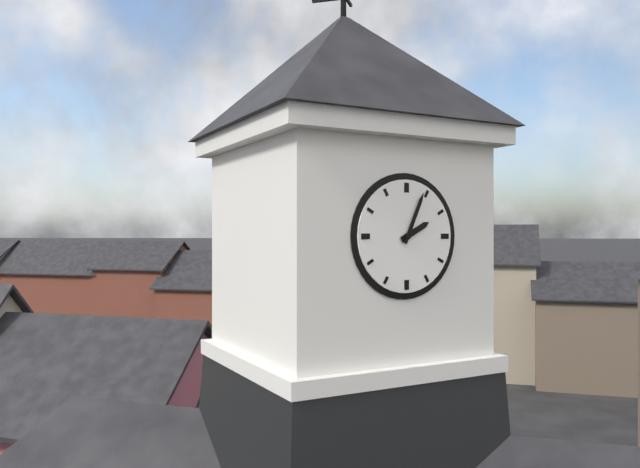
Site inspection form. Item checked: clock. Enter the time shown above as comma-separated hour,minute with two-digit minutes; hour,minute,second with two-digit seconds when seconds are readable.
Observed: 2,04
